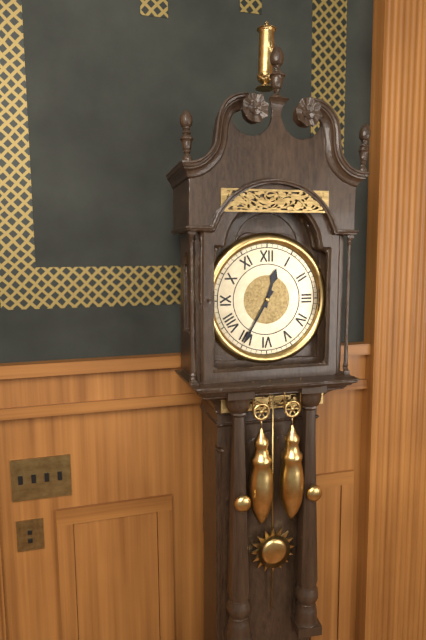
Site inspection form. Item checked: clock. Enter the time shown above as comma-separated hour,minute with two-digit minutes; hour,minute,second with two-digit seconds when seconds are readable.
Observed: 12,35
